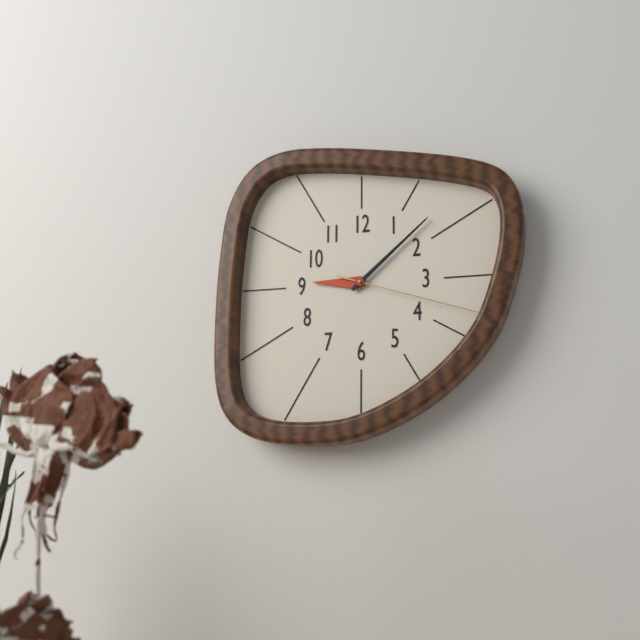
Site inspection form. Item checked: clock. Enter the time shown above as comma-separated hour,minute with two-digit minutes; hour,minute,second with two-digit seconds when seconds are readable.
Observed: 9,08,18
